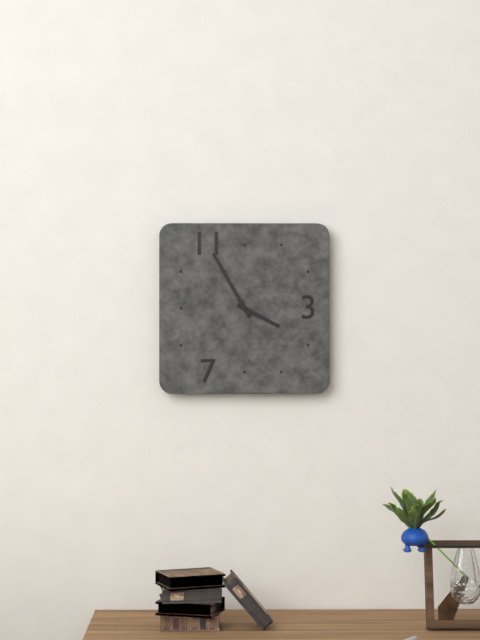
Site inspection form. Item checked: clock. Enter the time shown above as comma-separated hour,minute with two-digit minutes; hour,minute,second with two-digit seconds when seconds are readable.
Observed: 3,55
